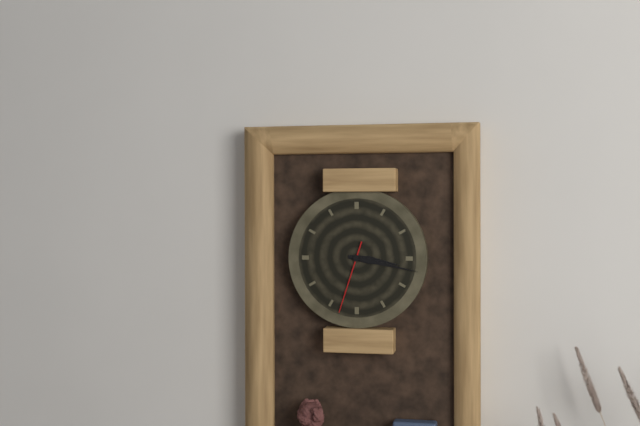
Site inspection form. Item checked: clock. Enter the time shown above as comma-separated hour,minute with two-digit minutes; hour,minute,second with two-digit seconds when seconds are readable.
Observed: 3,17,33
